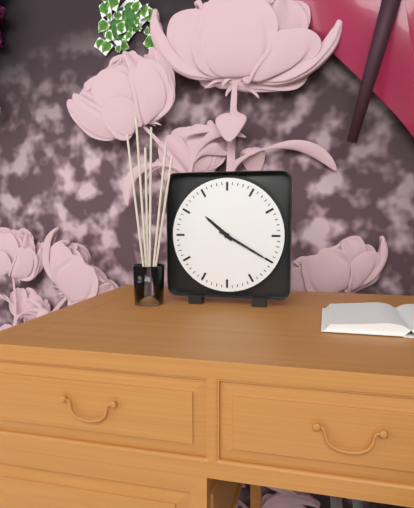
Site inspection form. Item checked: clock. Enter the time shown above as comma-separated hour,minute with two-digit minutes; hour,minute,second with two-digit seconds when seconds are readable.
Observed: 10,20
